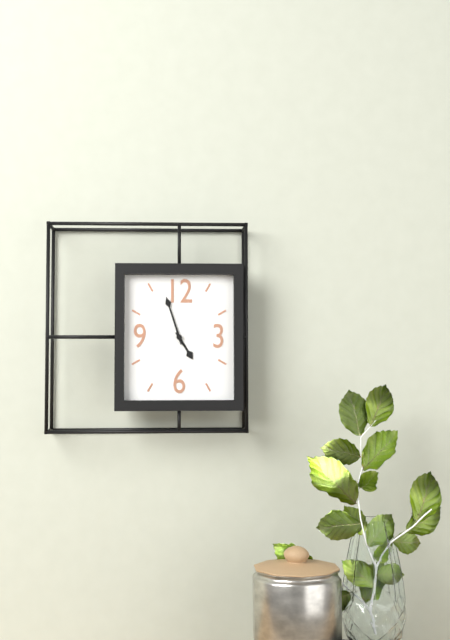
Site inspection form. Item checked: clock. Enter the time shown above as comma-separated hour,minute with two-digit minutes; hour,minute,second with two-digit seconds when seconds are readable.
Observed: 4,57
